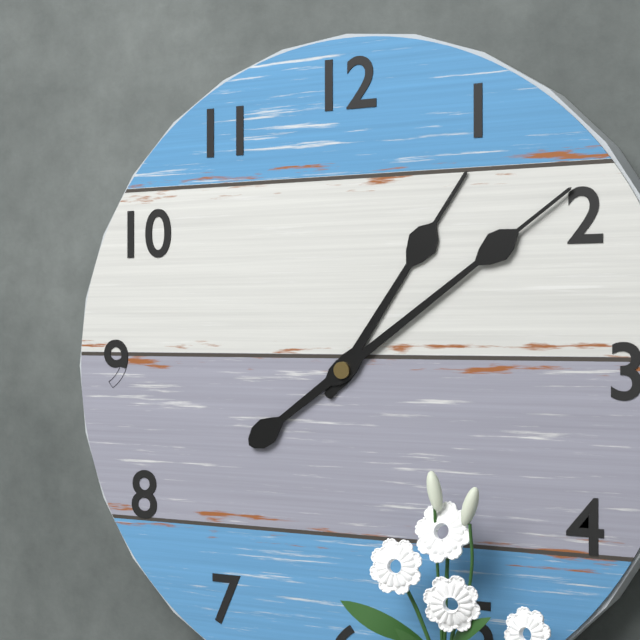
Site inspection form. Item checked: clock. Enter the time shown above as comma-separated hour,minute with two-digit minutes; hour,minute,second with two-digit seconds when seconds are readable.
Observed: 1,09
